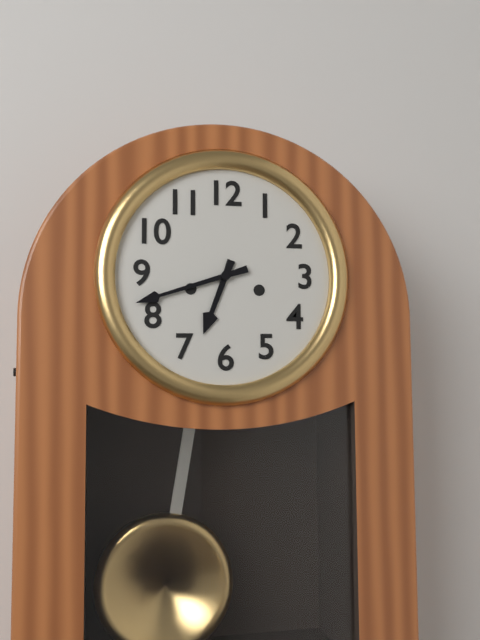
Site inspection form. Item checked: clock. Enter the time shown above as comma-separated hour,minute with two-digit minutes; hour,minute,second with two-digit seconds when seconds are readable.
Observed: 6,42
